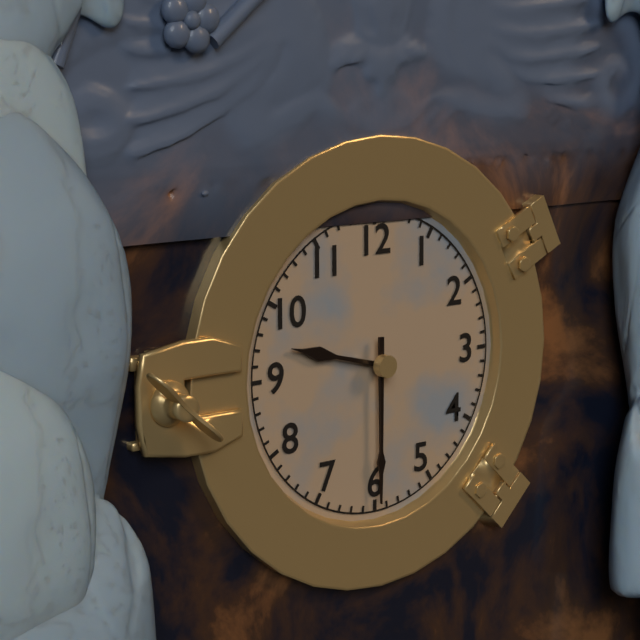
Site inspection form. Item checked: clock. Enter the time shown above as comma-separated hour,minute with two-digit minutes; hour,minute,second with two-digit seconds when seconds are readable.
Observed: 9,30
